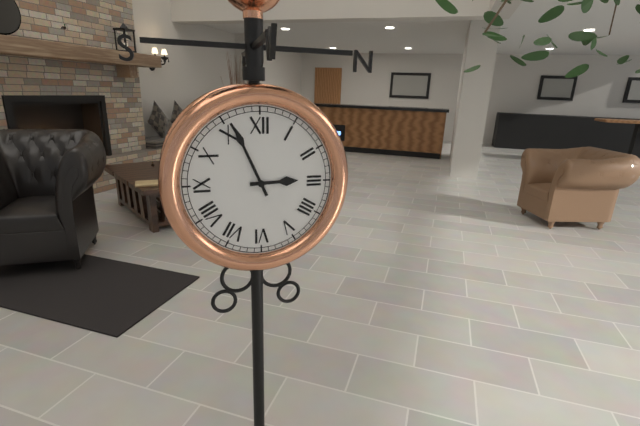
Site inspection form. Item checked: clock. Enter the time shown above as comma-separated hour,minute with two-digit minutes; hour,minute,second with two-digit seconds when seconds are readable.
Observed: 2,56
